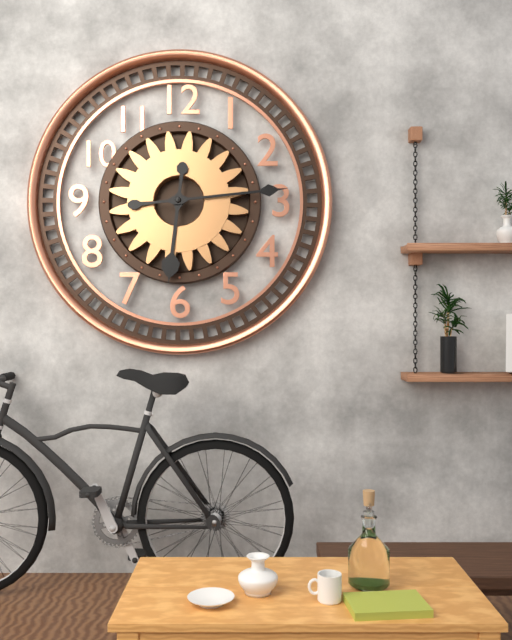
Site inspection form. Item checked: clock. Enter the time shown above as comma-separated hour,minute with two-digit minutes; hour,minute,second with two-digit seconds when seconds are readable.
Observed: 6,14
